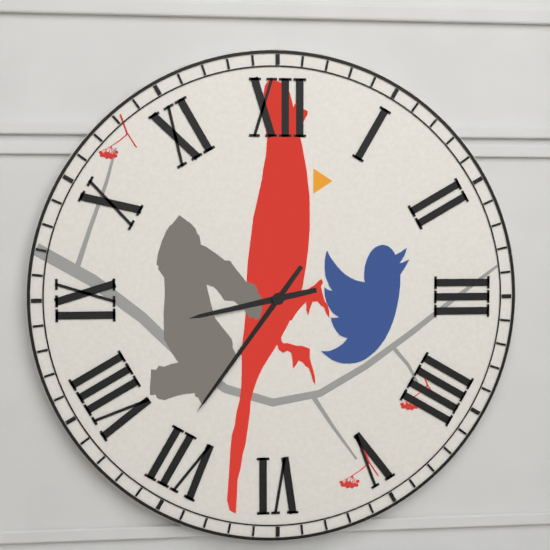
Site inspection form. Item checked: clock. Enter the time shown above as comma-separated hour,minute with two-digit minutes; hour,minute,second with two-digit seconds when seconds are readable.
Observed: 8,36
